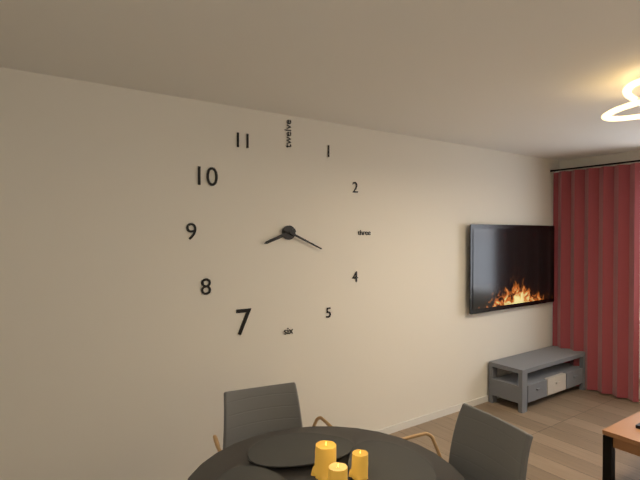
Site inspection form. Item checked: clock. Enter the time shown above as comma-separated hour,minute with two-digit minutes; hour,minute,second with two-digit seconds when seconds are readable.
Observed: 8,19
